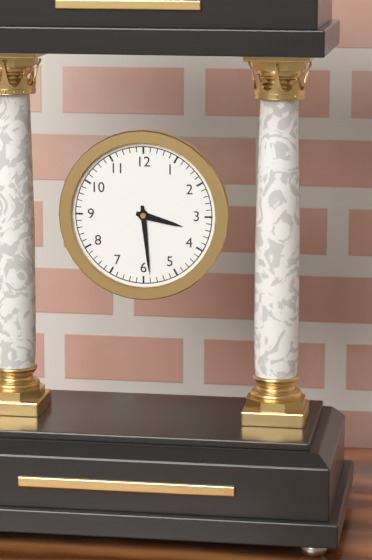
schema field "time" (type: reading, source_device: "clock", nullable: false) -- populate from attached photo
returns 3:29
